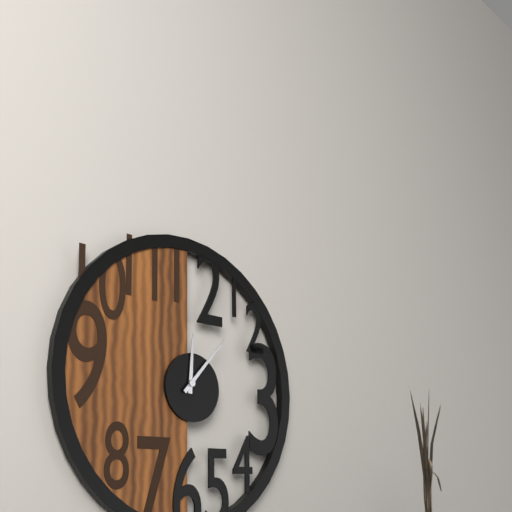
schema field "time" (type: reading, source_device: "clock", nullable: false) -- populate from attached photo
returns 12:07
